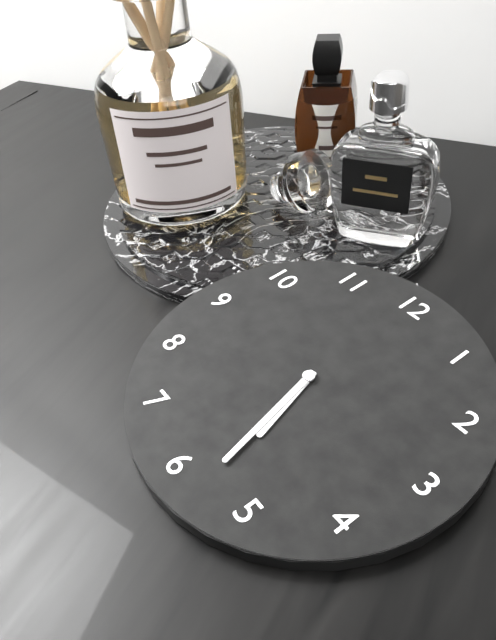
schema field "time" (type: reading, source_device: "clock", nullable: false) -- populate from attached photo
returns 5:28
